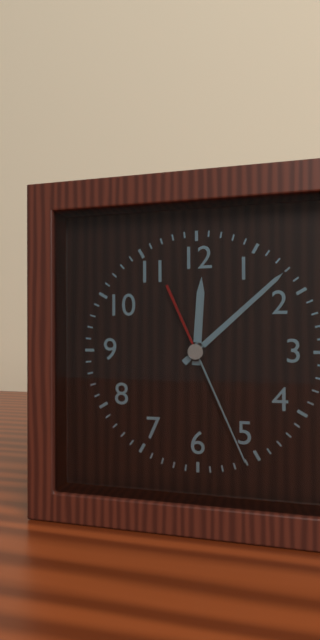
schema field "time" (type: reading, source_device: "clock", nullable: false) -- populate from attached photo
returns 12:08:26
